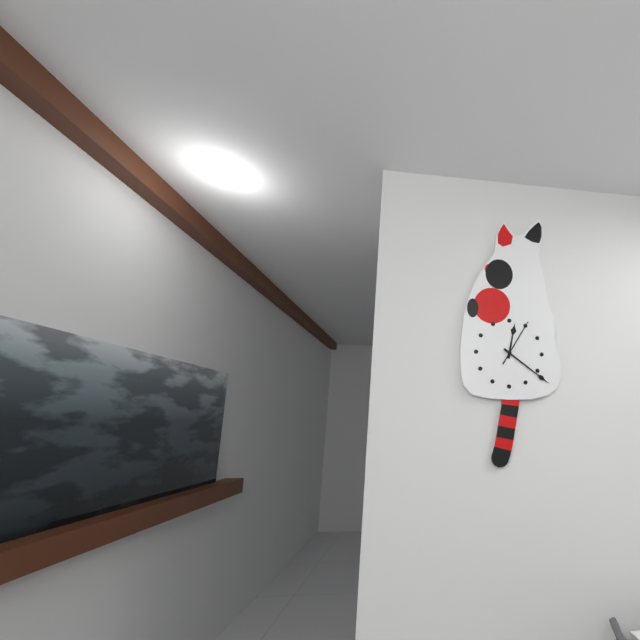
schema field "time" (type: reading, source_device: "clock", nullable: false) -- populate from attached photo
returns 12:21
